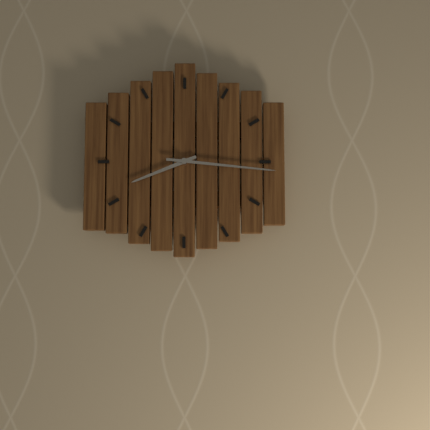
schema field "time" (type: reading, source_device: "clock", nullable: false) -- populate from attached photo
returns 8:16
